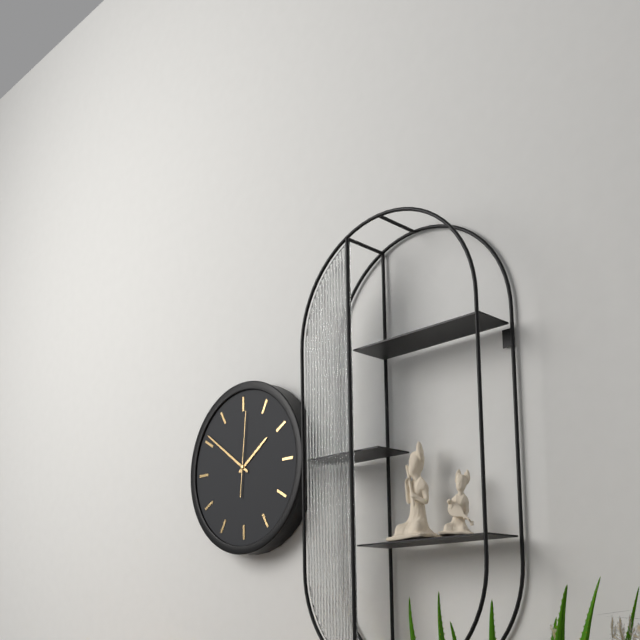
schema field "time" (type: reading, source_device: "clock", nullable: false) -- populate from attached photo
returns 1:51:01
